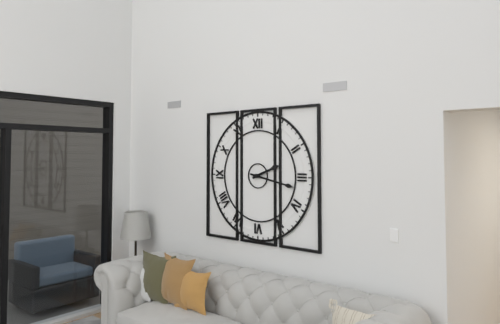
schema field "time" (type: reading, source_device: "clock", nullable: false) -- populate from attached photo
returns 2:17
